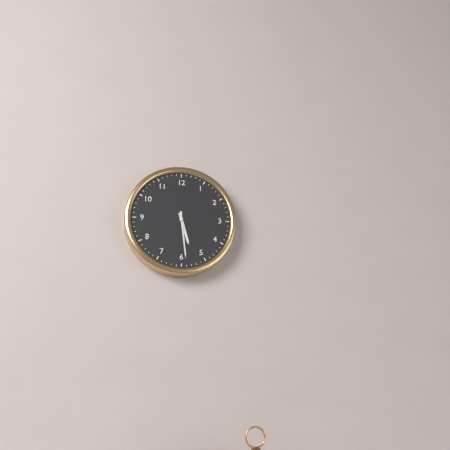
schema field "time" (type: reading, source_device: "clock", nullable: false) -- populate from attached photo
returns 5:29
